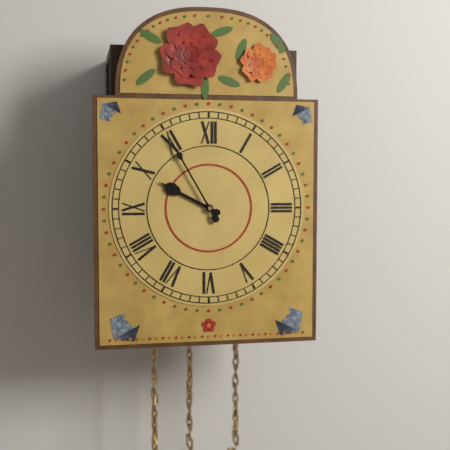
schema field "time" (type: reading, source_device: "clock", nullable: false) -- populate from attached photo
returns 9:55
